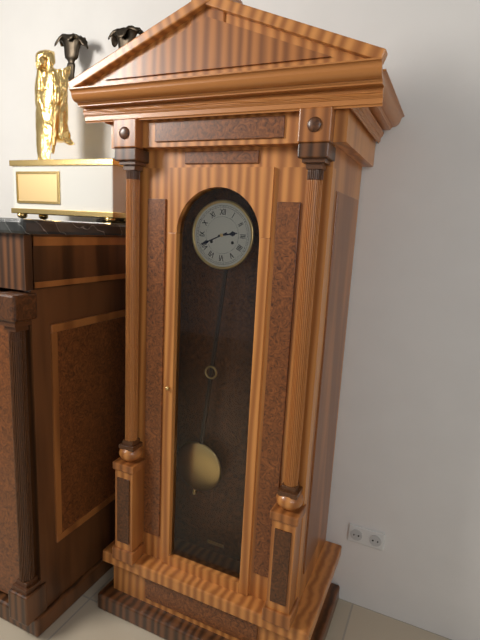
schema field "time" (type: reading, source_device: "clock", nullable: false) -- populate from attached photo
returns 2:41
